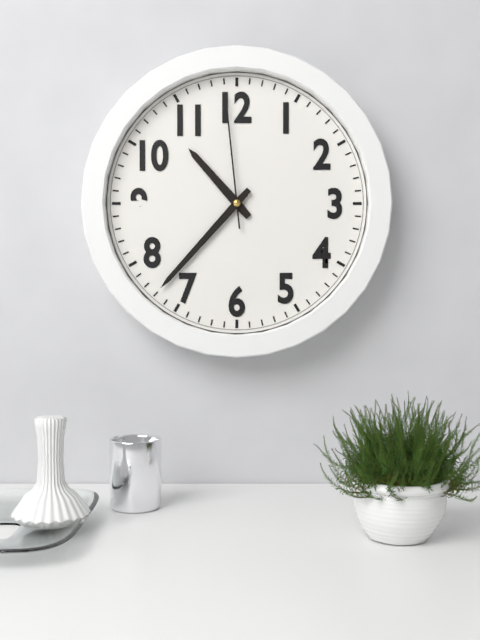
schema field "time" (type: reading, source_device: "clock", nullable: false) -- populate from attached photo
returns 10:37:59
